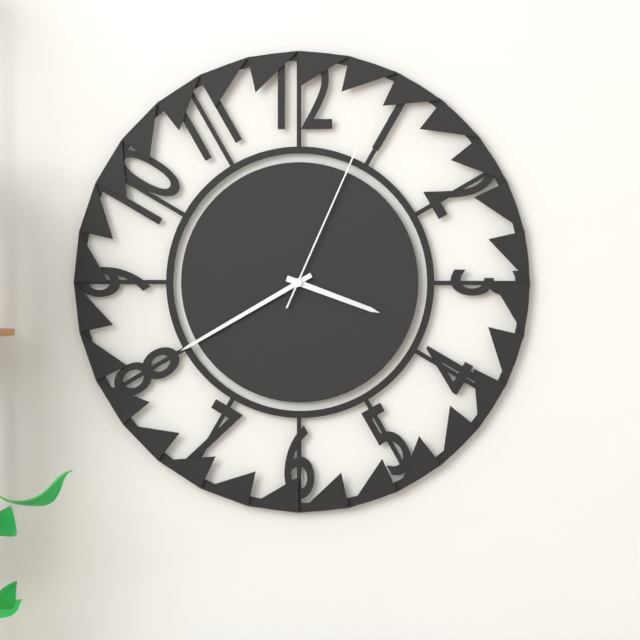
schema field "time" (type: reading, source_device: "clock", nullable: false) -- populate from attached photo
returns 3:40:04
